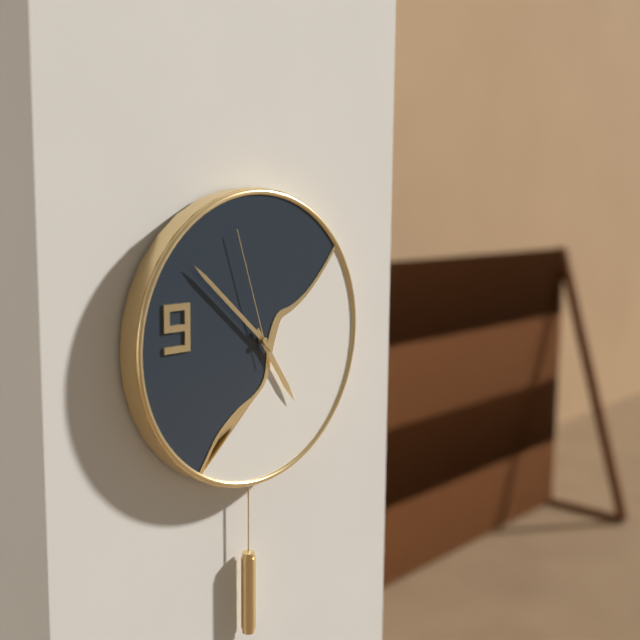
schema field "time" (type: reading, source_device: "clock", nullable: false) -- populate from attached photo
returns 4:52:57
